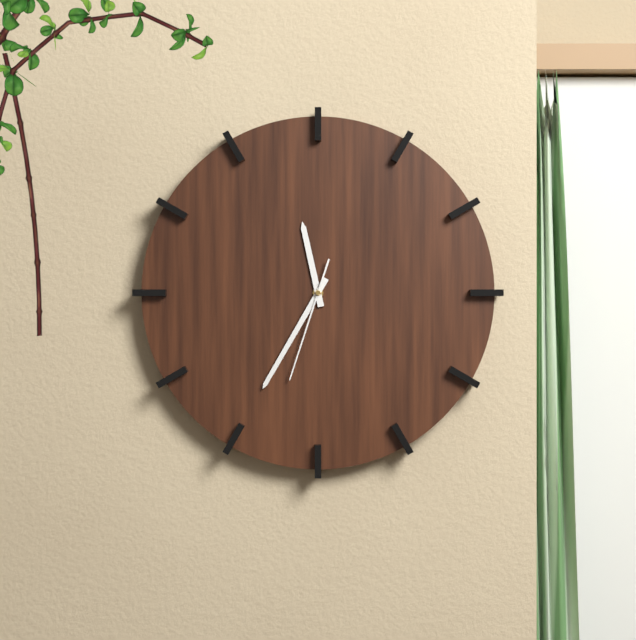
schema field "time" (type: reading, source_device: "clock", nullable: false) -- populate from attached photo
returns 11:35:33
